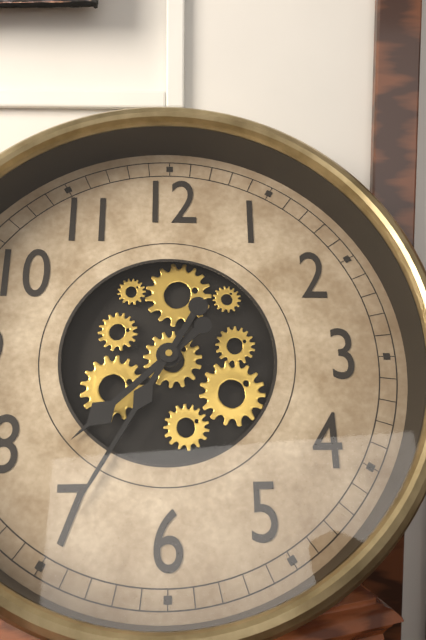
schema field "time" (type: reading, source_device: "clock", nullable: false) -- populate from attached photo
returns 7:35
